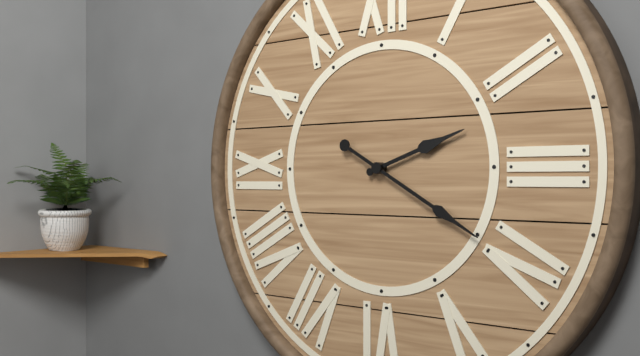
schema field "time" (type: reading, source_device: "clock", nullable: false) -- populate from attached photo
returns 2:20
